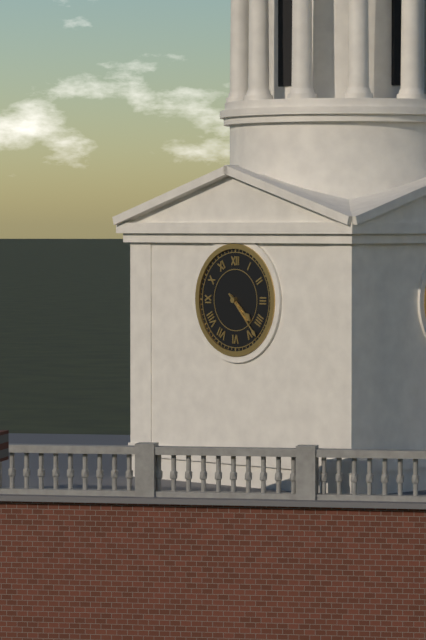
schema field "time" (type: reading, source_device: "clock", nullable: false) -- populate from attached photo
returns 4:23
